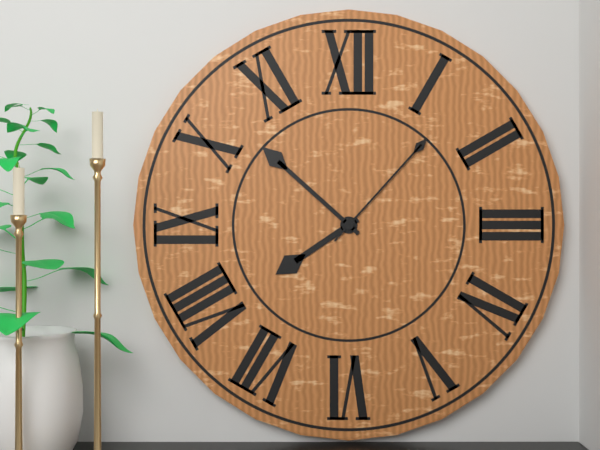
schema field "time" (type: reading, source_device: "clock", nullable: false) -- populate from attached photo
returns 7:52:07
